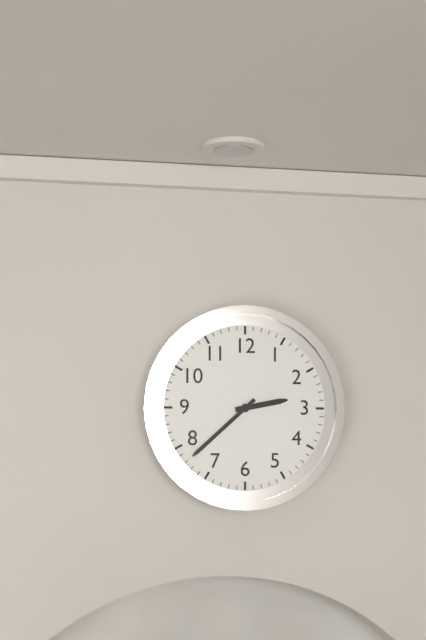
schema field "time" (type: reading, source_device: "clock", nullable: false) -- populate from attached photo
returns 2:38
